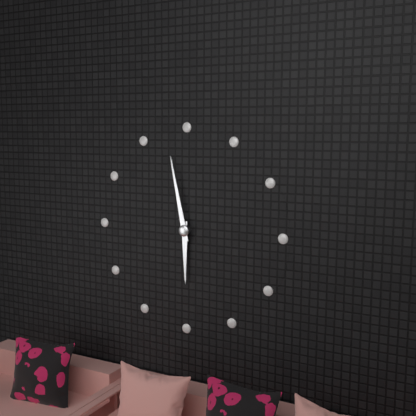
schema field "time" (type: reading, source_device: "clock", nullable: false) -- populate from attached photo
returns 5:58
